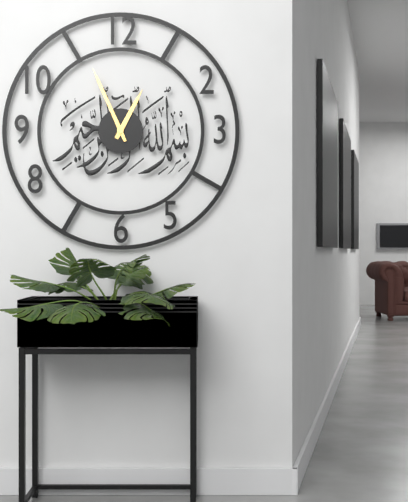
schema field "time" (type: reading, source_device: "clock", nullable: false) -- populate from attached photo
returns 12:56
